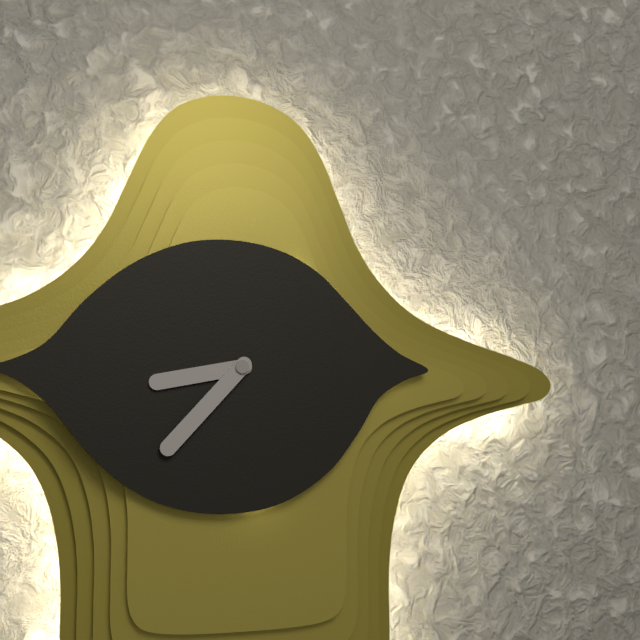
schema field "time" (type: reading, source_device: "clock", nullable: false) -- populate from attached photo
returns 8:37
